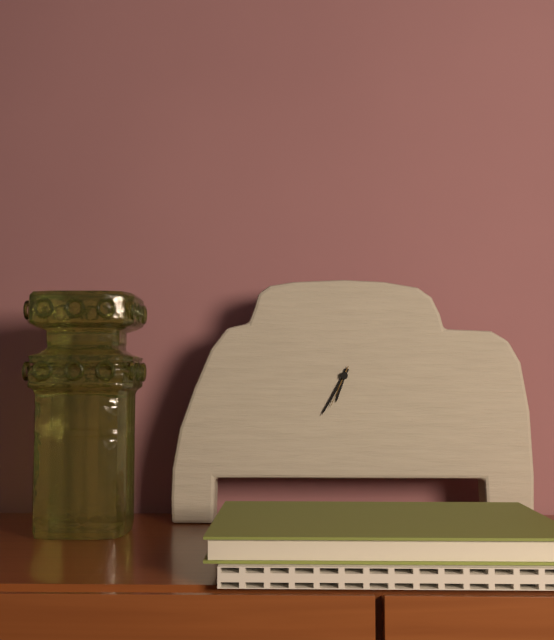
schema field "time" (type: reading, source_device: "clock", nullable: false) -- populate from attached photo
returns 6:35
